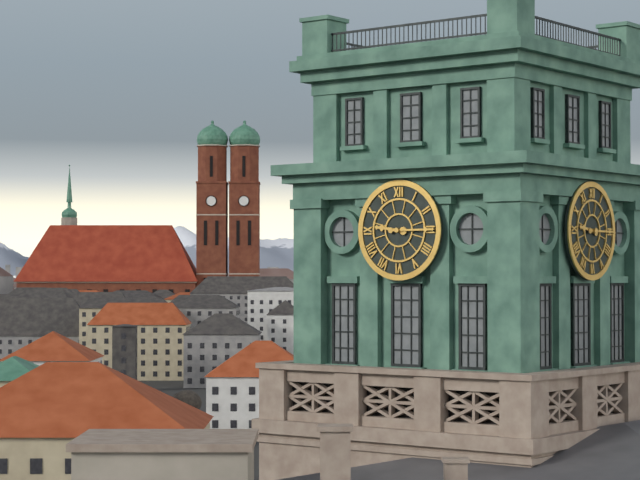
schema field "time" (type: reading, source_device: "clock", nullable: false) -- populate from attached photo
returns 9:15
